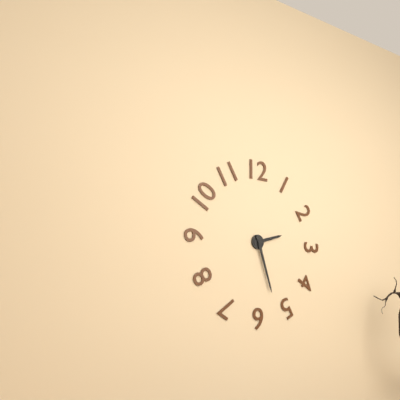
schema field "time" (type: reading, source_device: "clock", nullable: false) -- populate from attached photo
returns 2:27
